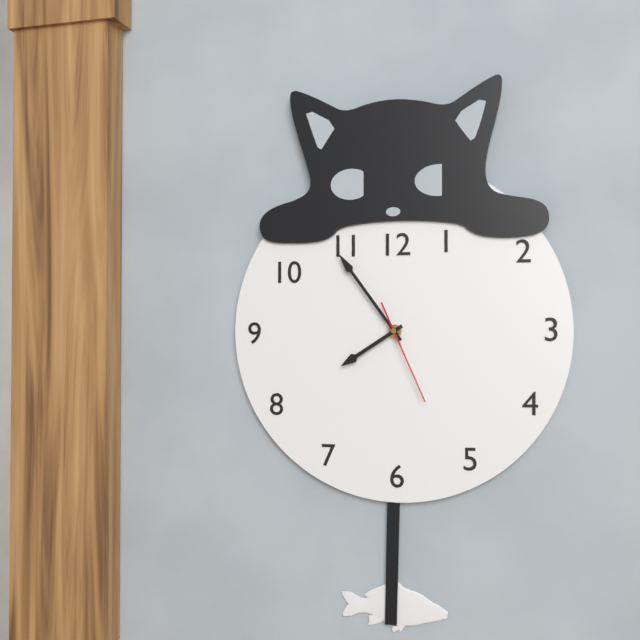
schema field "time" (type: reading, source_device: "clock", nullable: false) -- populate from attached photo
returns 7:54:26
